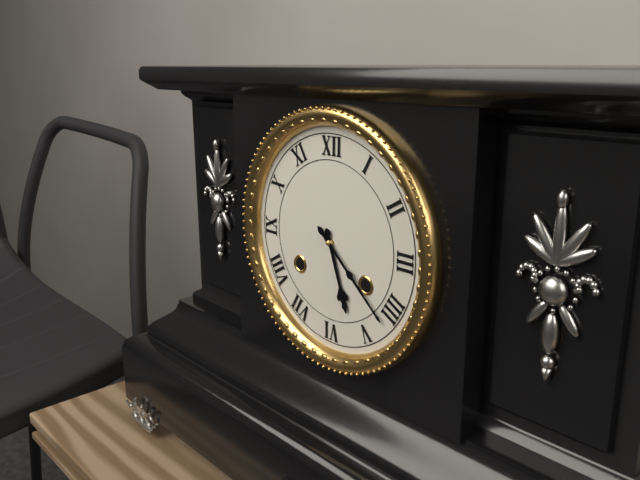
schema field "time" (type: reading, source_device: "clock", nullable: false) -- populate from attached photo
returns 5:22
